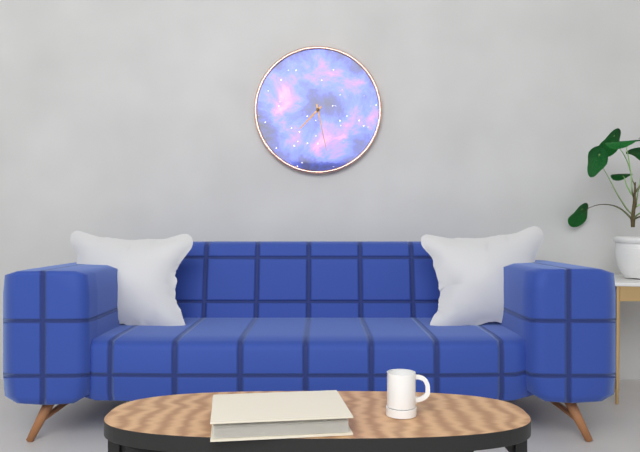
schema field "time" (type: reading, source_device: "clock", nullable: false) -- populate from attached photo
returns 7:28
